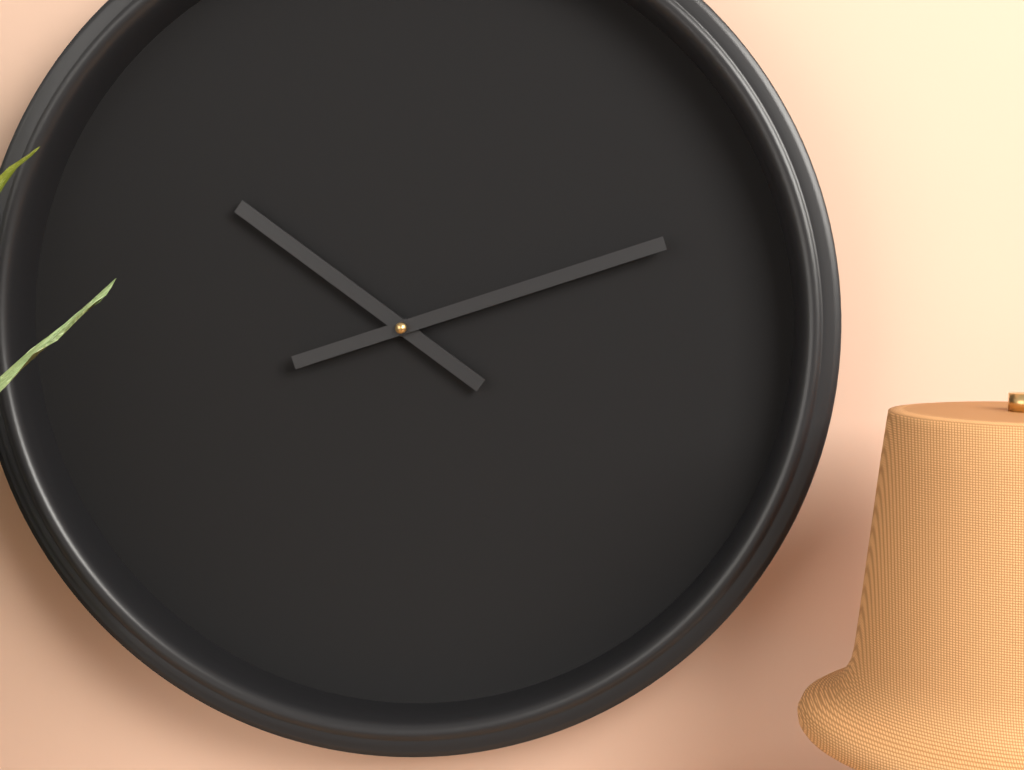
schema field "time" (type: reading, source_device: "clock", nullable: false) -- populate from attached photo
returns 10:12
